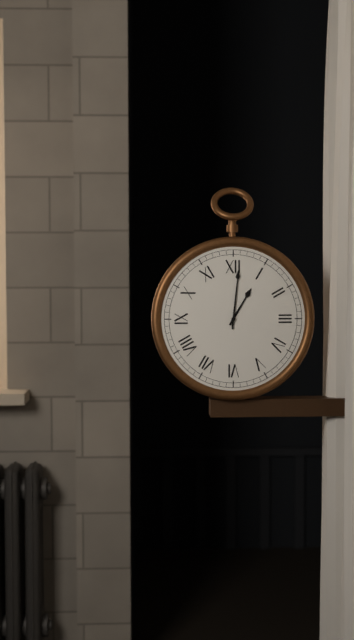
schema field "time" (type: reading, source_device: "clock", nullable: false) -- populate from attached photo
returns 1:01
